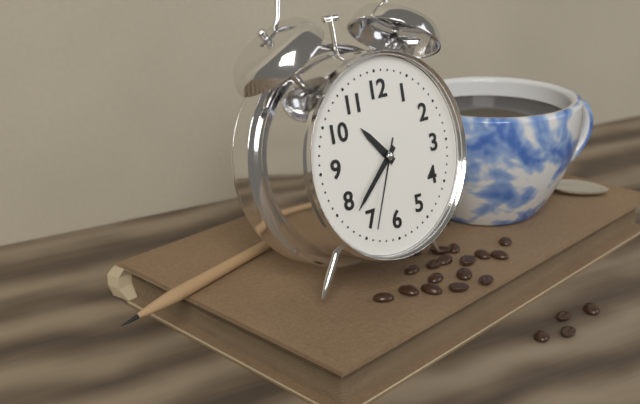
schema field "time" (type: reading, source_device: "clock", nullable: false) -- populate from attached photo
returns 10:38:34
